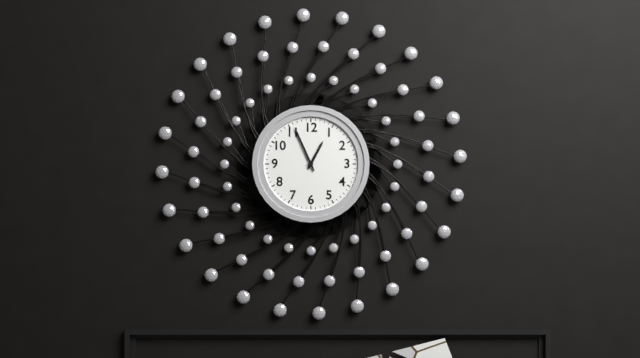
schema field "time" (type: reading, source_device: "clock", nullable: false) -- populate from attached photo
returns 12:56
